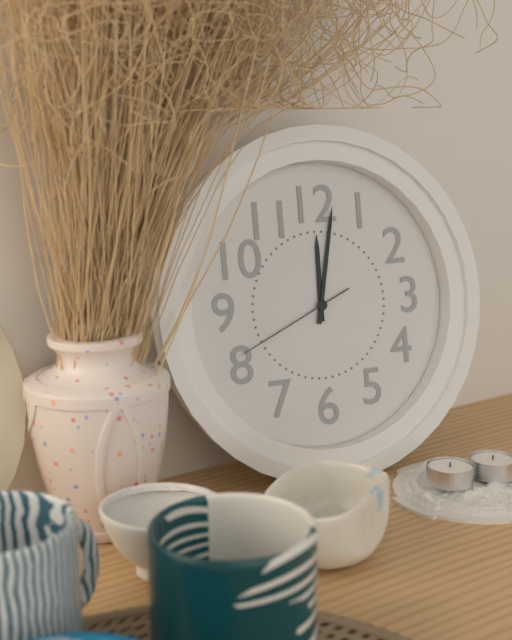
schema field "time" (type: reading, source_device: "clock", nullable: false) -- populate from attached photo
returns 12:02:41
